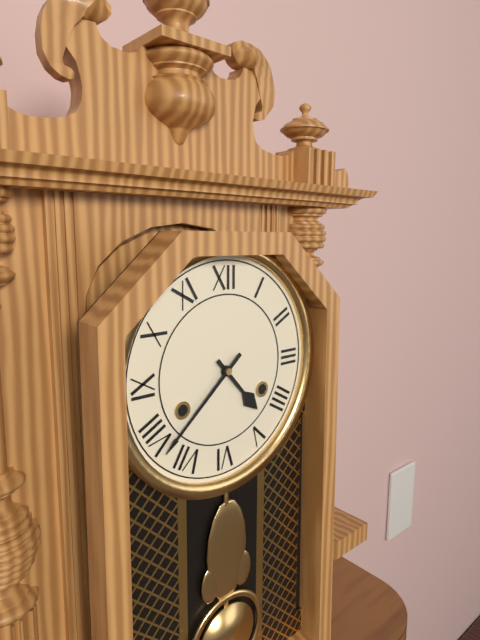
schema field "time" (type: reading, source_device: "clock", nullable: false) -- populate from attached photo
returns 4:38
